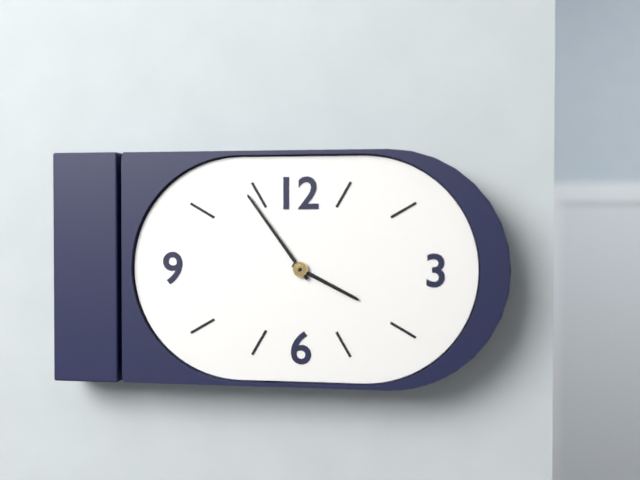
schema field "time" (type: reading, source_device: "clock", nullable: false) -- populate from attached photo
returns 3:54
